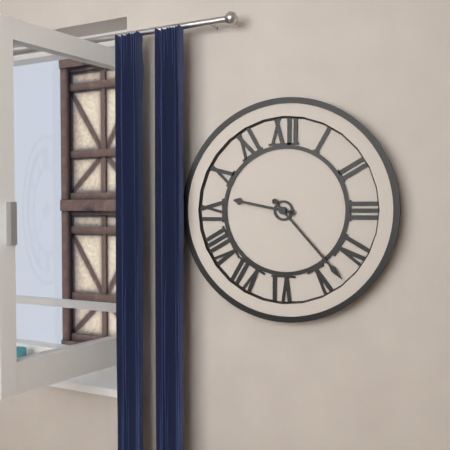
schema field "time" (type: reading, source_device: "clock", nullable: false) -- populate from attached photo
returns 9:23
